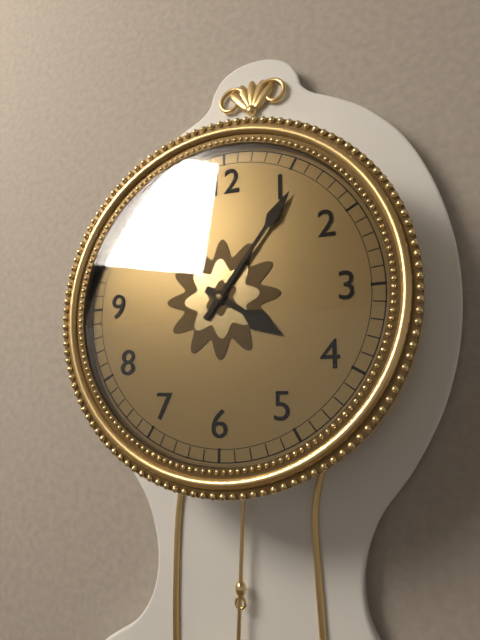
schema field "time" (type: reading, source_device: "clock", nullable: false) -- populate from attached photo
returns 4:06
